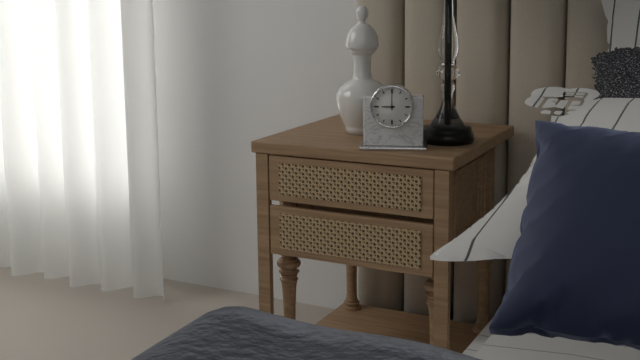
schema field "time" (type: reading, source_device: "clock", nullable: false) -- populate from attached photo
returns 9:00
